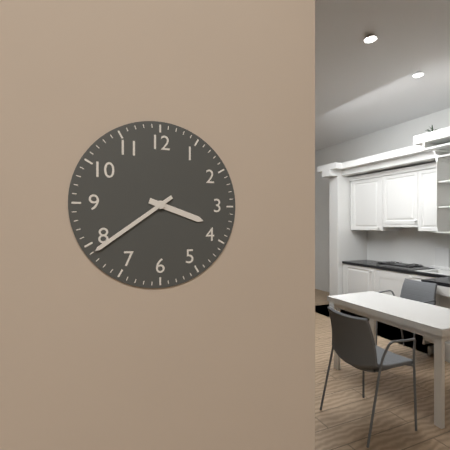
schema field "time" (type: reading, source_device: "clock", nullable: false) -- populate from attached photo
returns 3:39
